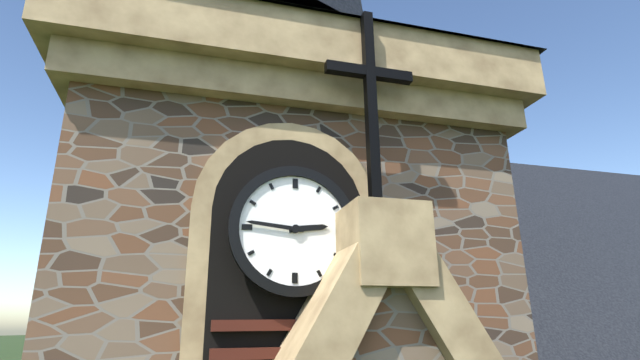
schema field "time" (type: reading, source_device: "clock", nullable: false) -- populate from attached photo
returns 2:46
